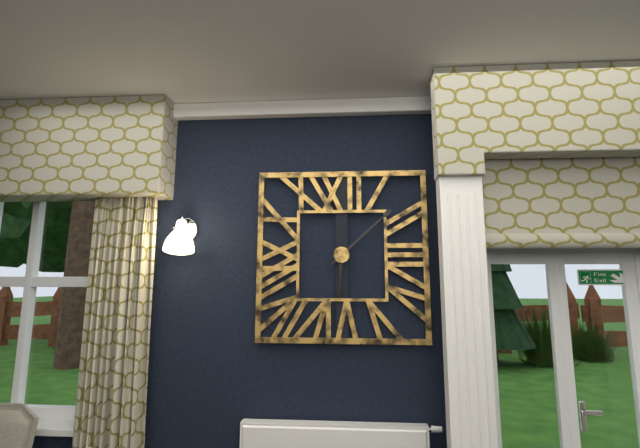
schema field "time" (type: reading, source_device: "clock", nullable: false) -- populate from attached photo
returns 6:08
